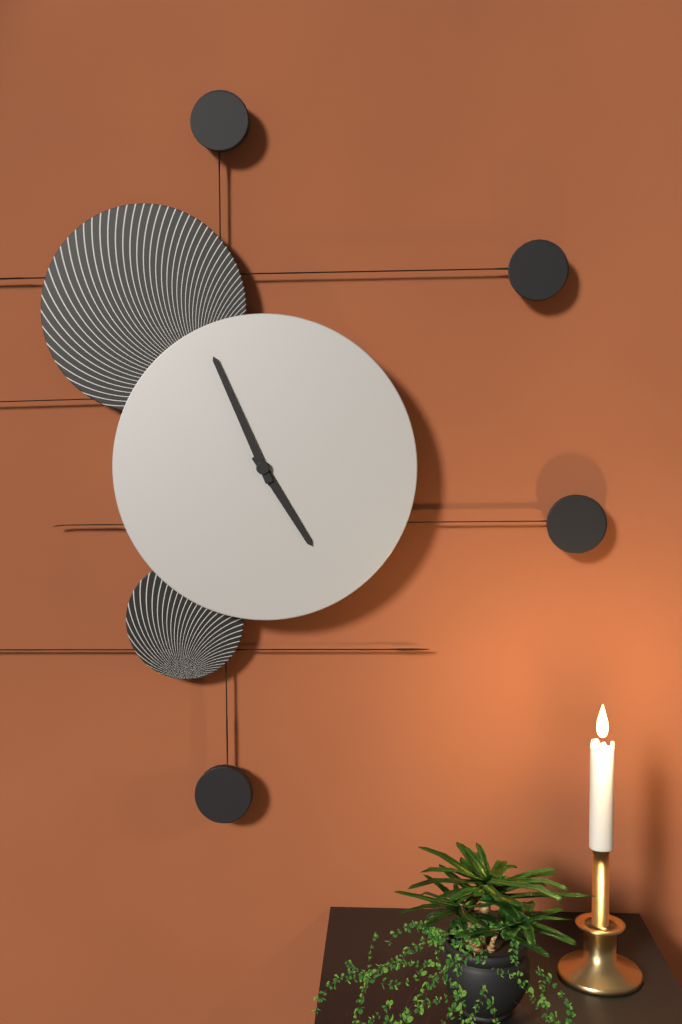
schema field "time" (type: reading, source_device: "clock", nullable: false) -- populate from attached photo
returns 4:56
